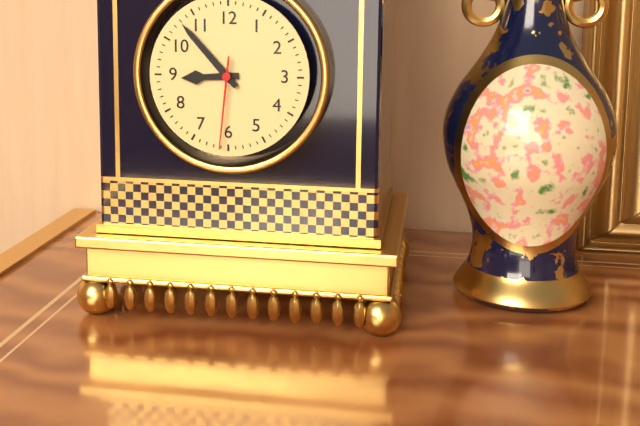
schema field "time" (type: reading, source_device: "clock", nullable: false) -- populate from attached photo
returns 8:53:31
